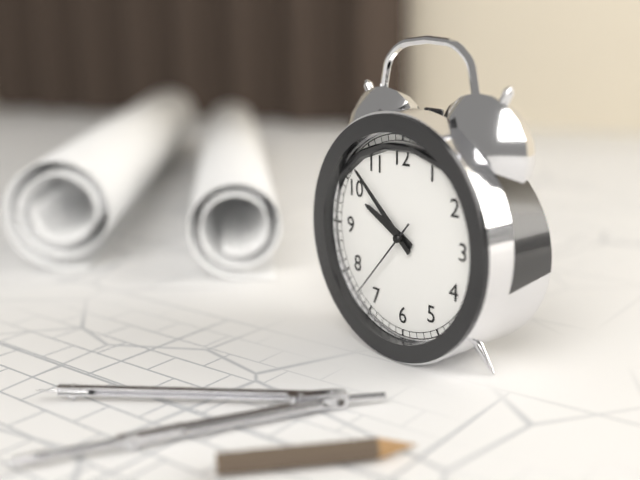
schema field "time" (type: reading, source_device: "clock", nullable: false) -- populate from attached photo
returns 9:52:37
